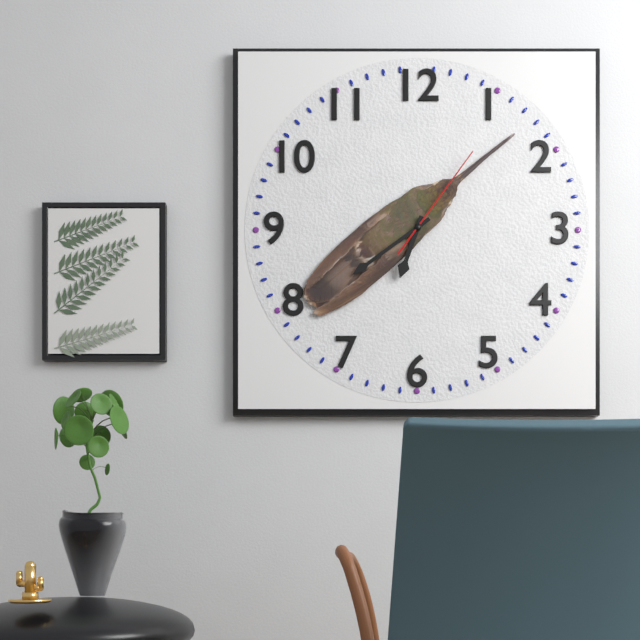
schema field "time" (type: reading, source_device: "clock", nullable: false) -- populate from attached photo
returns 6:39:06
